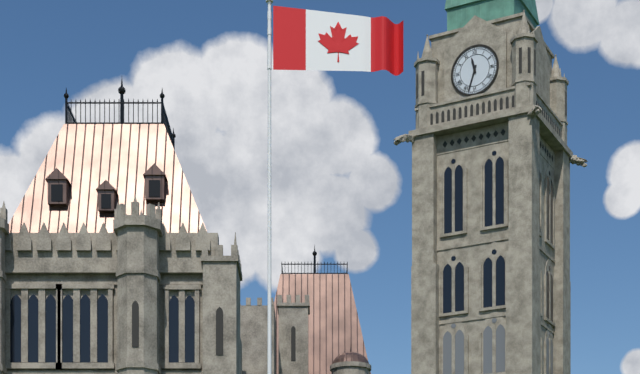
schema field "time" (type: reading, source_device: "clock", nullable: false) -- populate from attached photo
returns 11:33
